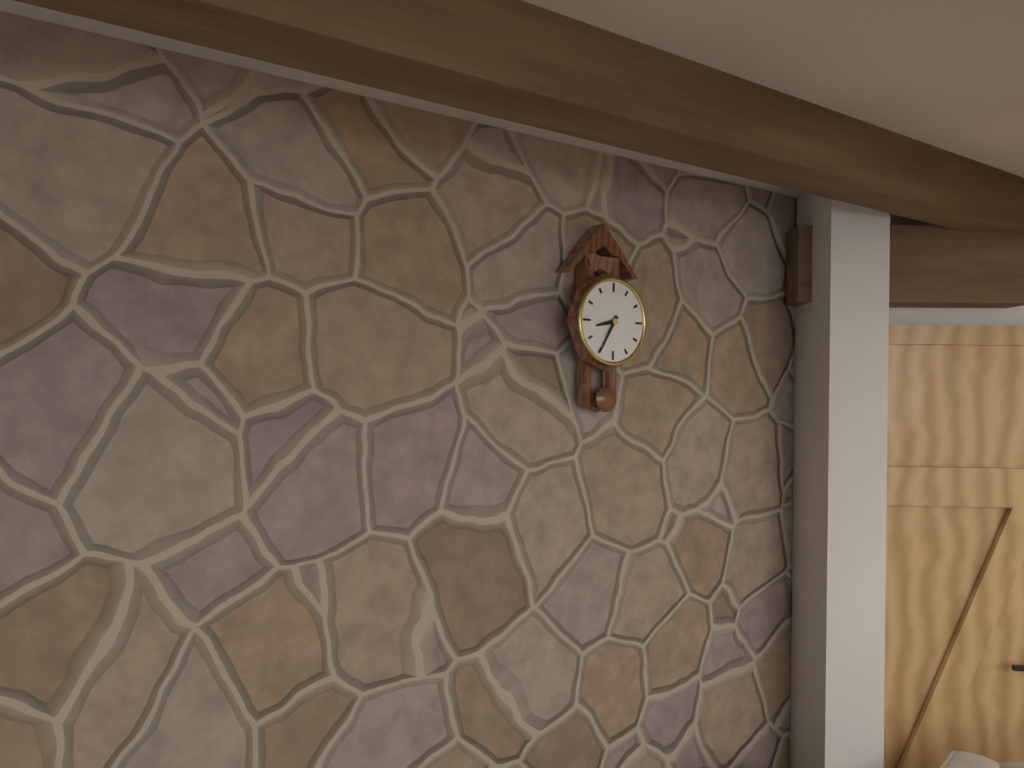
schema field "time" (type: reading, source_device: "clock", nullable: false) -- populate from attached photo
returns 8:35
